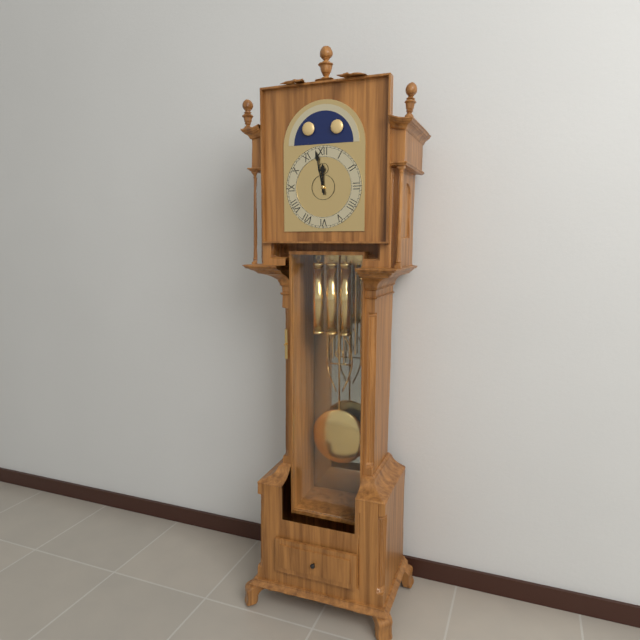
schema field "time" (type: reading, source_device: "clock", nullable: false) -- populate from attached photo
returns 11:58
